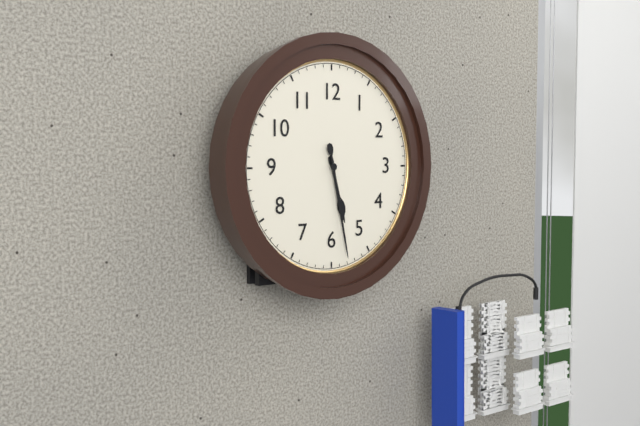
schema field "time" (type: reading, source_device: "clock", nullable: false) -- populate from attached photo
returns 5:28
